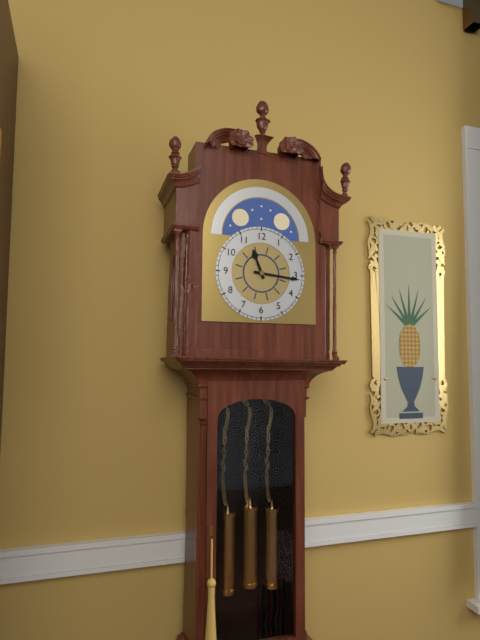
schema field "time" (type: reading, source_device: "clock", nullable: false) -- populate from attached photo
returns 11:16
